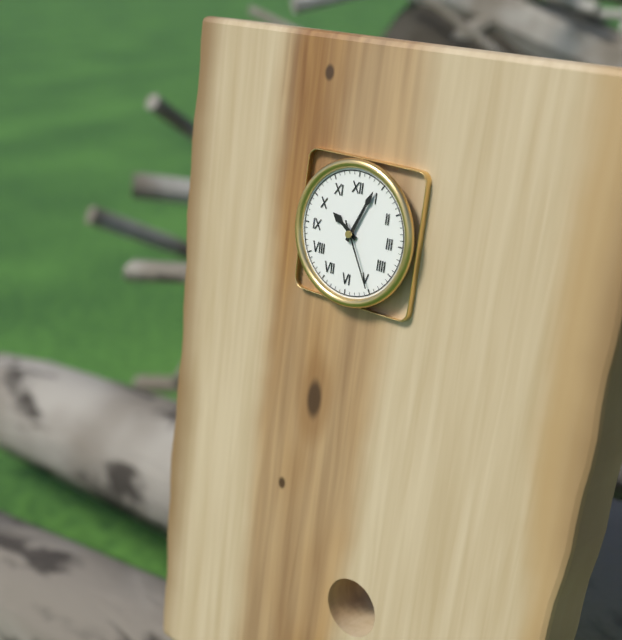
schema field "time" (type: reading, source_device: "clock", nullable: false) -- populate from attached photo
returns 10:04:25
